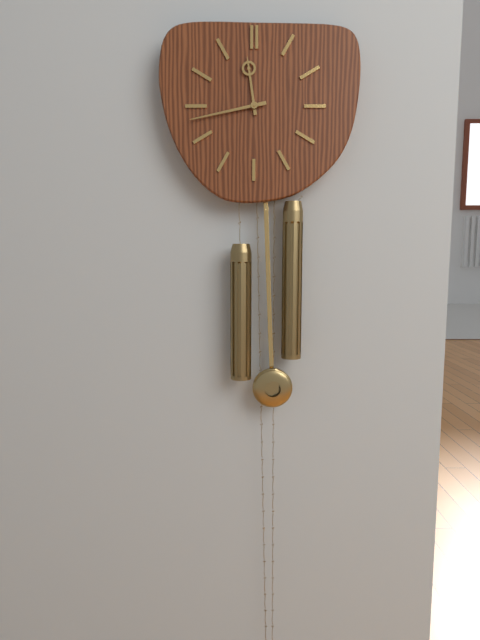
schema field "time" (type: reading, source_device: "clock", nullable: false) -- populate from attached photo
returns 11:43
